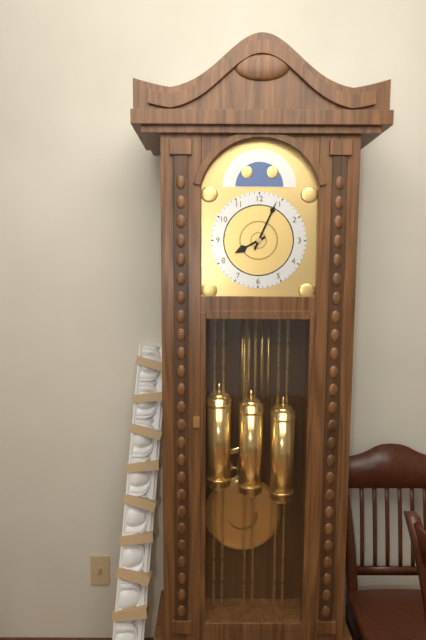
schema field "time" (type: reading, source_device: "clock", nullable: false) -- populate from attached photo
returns 8:04
